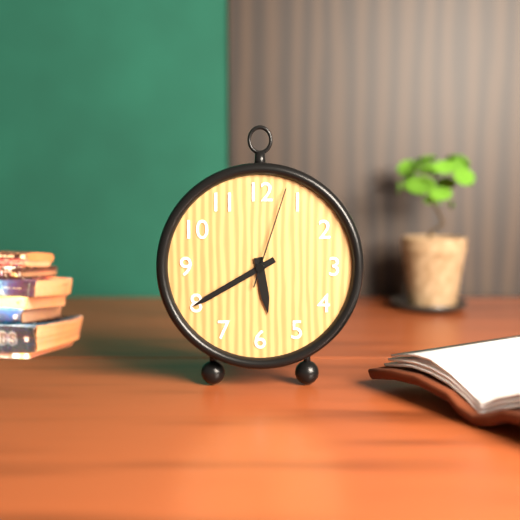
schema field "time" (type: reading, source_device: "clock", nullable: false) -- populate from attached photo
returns 5:40:03
